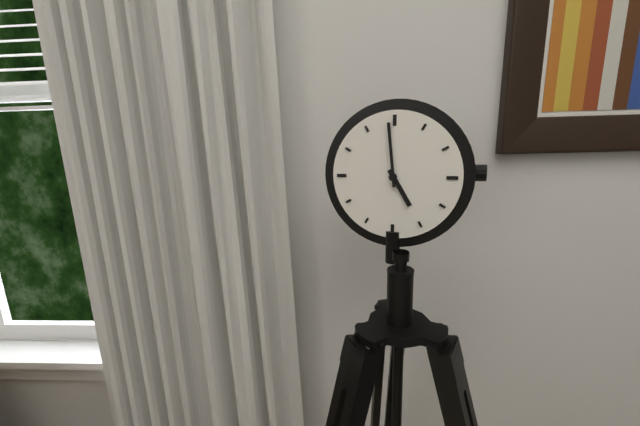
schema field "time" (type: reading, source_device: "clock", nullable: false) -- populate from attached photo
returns 4:59
